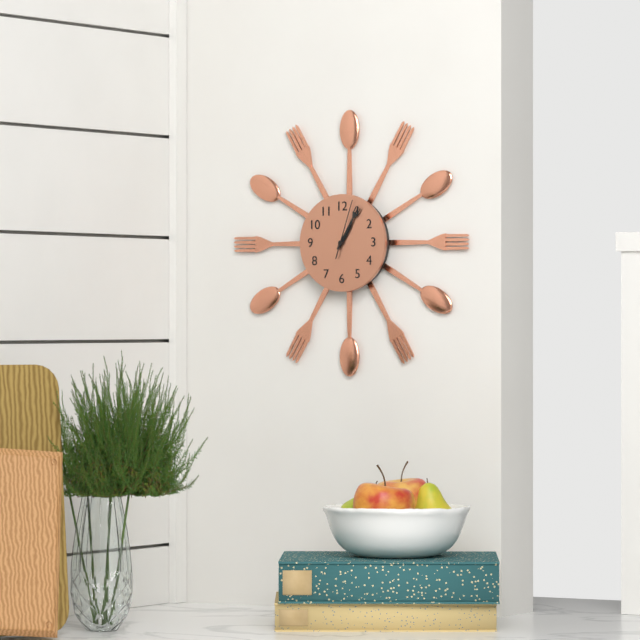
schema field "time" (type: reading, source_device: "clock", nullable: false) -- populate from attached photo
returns 1:05:03
